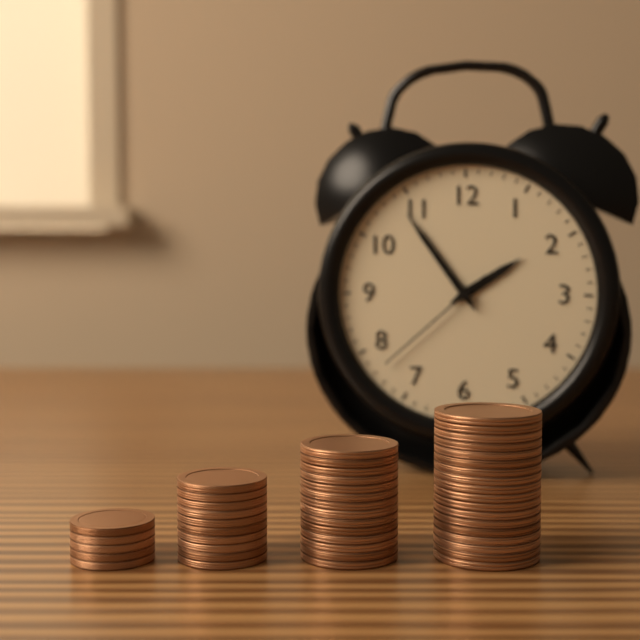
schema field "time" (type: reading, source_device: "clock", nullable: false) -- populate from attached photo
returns 1:54:38
